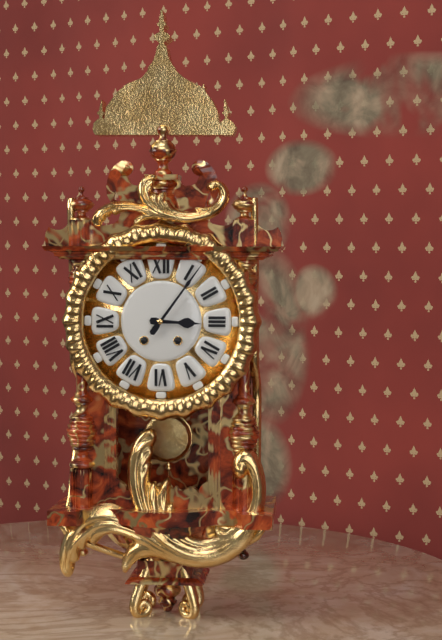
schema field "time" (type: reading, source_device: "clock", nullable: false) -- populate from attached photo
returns 3:06
